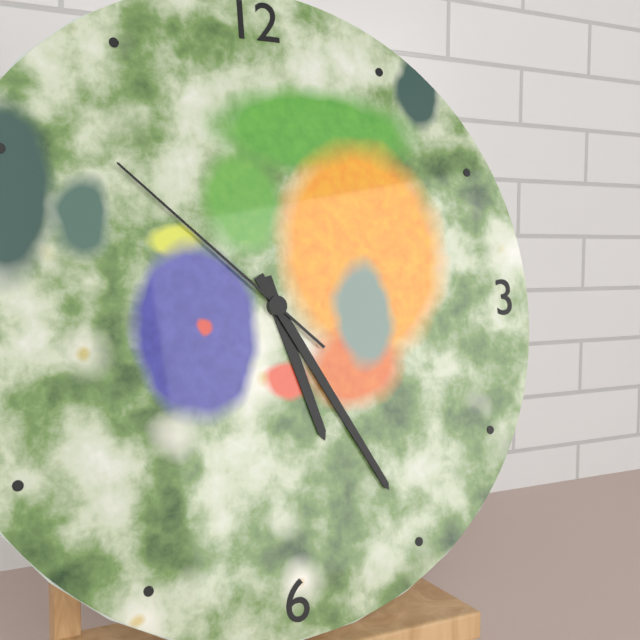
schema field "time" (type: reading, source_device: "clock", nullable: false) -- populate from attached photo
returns 5:25:52
